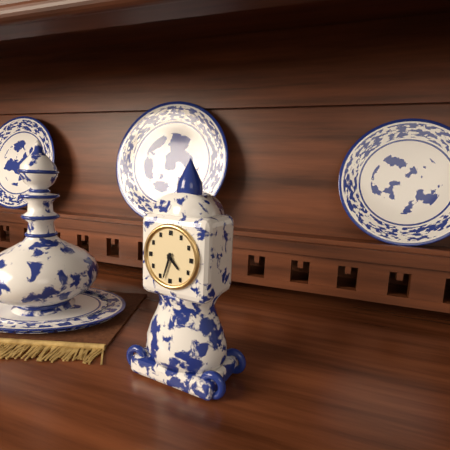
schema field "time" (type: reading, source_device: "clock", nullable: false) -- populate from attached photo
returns 4:33
